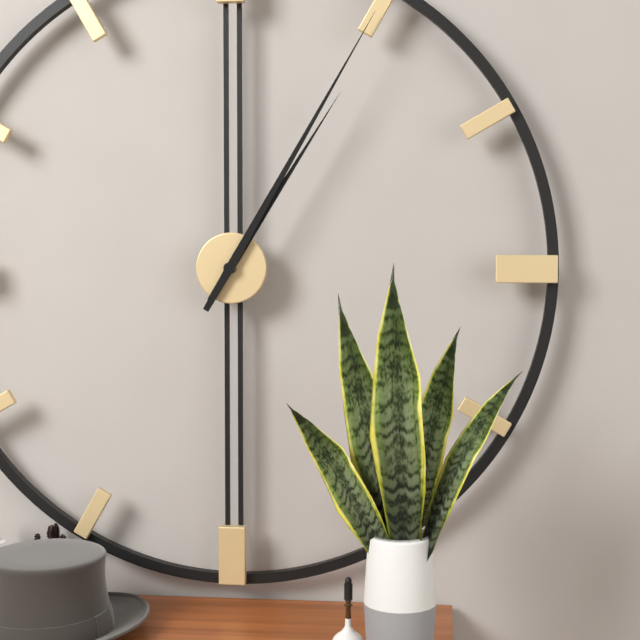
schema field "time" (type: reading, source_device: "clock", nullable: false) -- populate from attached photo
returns 1:05
